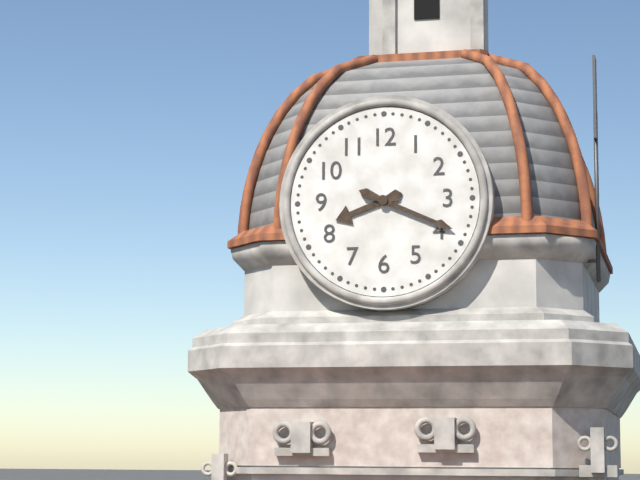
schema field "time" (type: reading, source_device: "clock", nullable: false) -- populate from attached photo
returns 8:19
